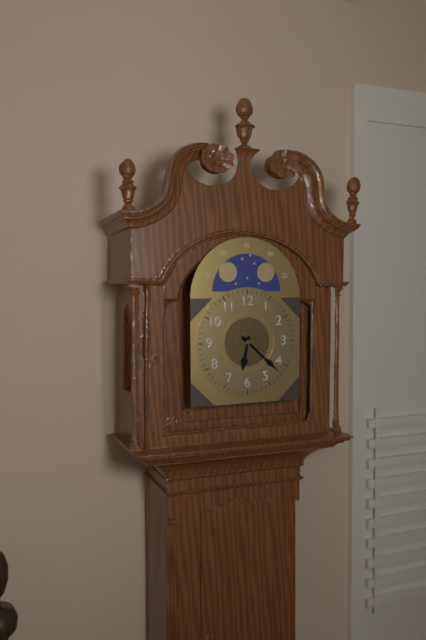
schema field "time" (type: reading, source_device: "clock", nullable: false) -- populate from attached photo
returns 6:22
